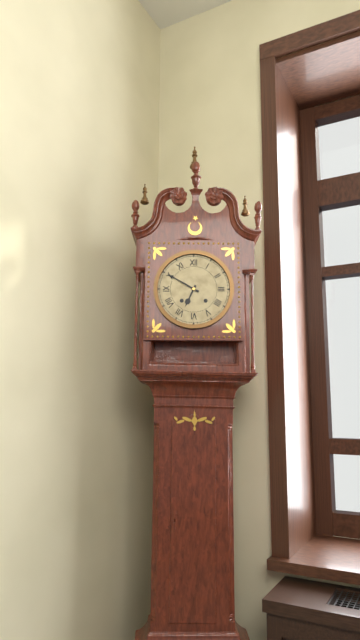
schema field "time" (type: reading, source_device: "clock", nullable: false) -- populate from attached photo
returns 6:50
